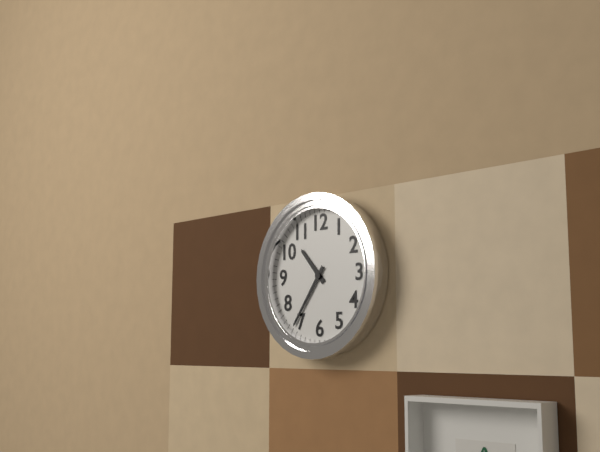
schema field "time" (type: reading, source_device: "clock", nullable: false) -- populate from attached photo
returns 10:36
